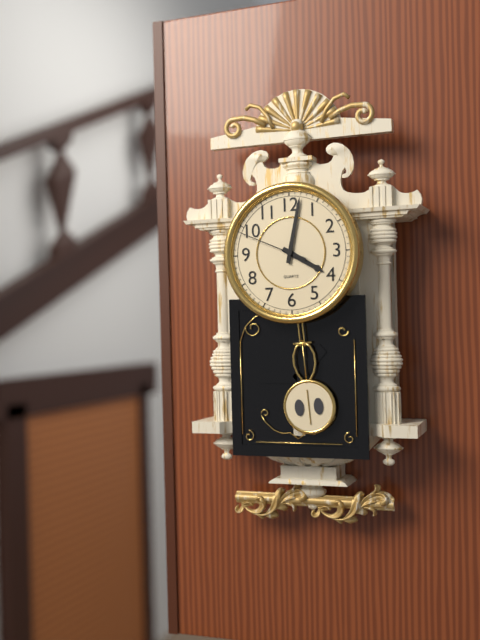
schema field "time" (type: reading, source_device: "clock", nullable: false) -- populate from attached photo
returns 4:02:49
